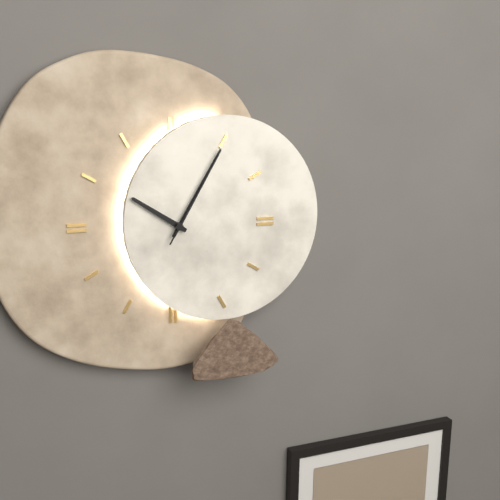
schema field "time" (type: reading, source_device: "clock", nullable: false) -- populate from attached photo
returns 10:05:05
